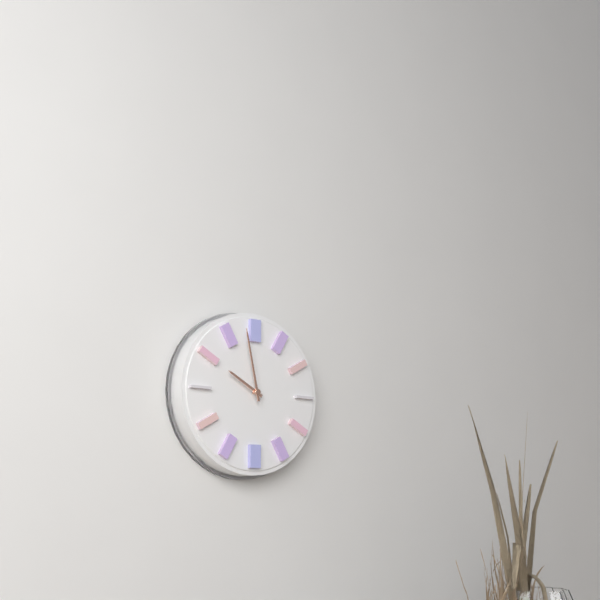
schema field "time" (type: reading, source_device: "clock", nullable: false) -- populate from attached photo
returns 9:58
